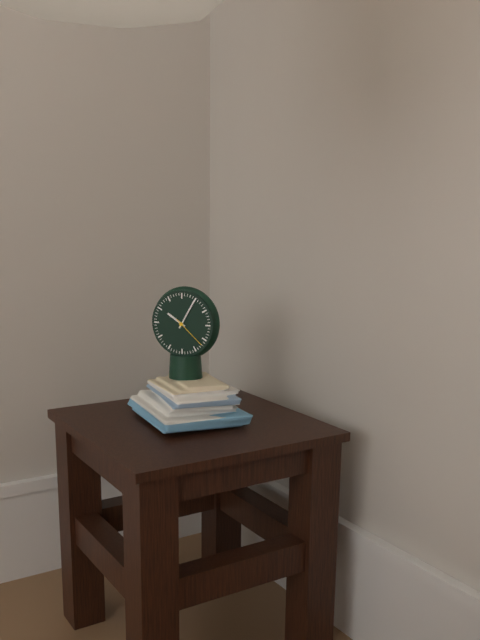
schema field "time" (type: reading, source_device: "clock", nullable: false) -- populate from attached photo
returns 10:05
